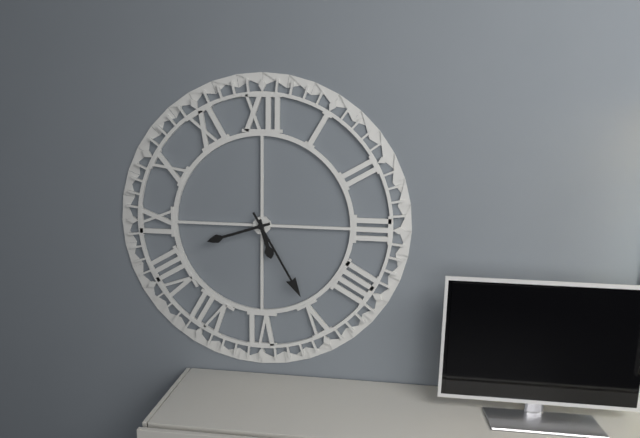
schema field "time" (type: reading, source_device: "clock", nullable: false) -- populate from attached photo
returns 5:25:42
